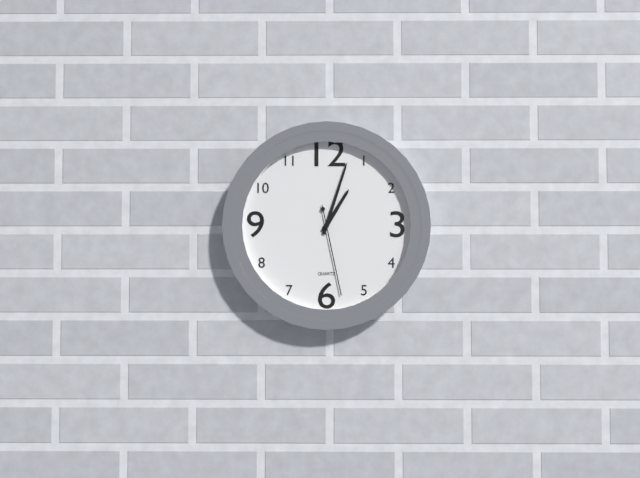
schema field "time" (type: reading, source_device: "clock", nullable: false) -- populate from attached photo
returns 1:03:28
